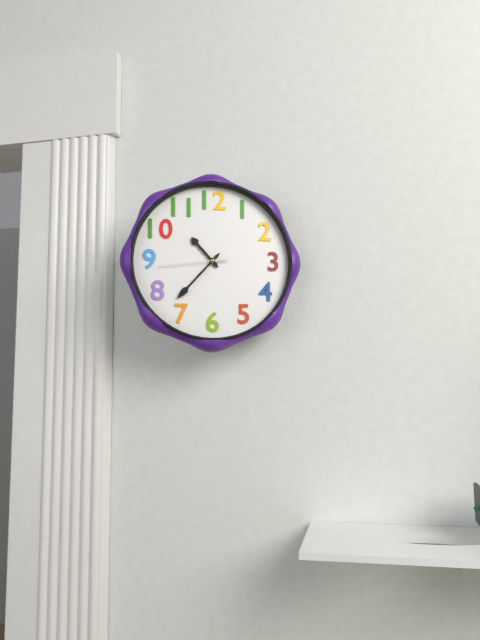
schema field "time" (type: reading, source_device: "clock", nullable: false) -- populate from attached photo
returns 10:37:44
